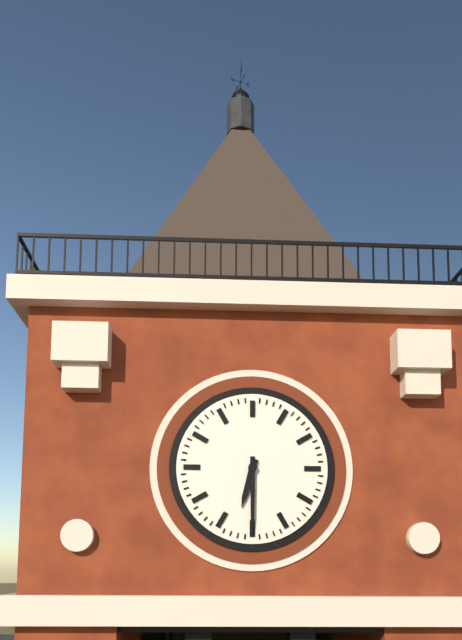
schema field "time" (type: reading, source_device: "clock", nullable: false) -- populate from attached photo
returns 6:30
